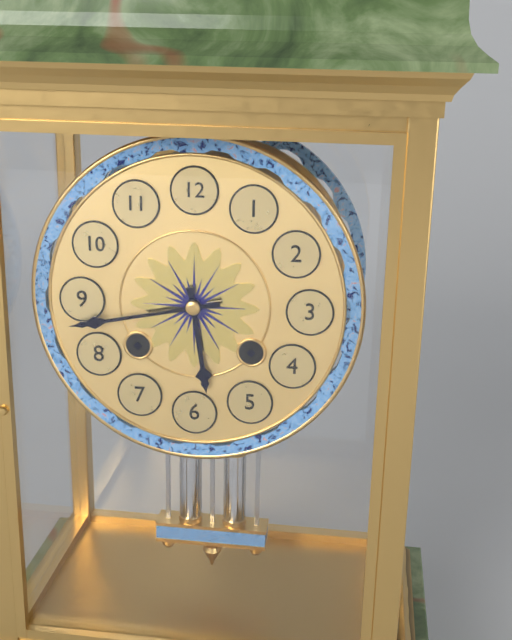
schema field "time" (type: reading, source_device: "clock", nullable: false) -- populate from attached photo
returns 5:43
